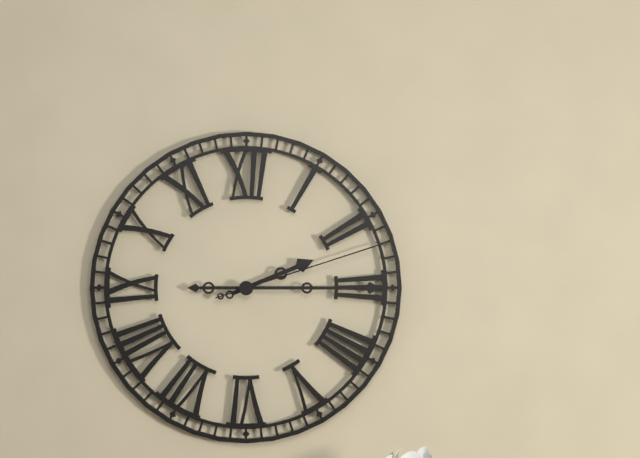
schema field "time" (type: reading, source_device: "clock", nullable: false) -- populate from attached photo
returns 2:15:12
